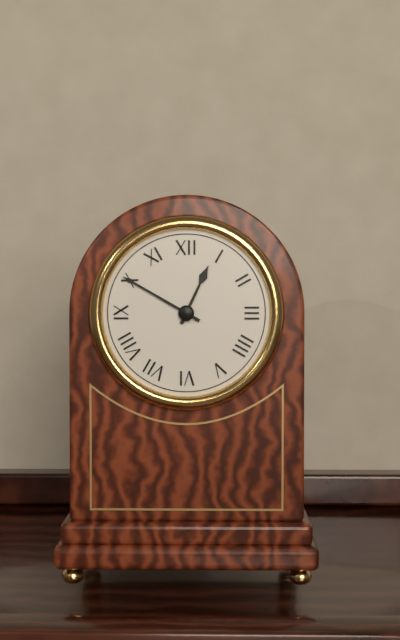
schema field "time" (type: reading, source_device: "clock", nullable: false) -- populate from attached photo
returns 12:50
